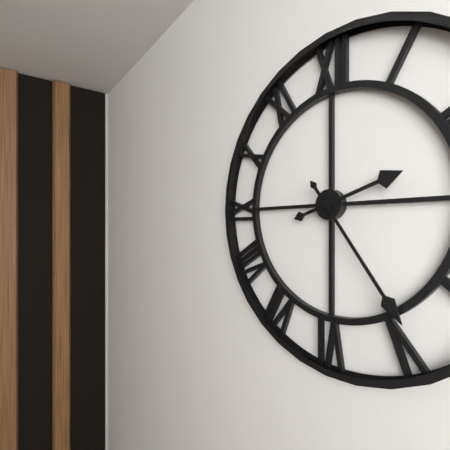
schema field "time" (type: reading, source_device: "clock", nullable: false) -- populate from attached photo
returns 2:24
